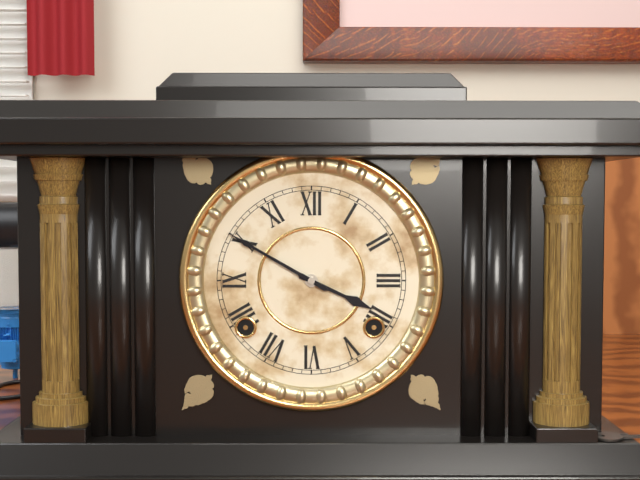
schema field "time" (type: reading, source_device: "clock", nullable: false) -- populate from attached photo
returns 3:50
